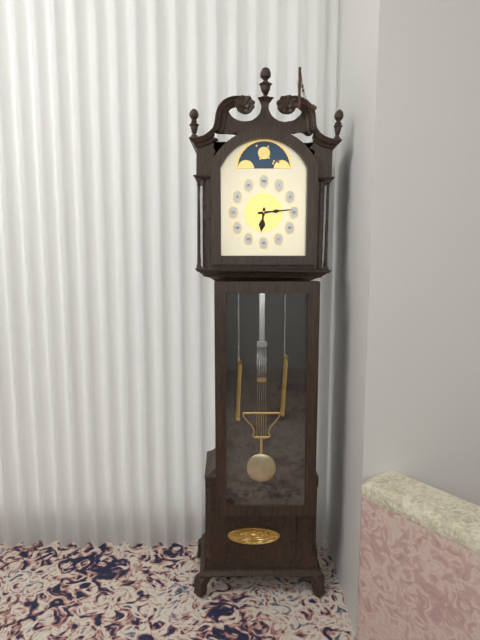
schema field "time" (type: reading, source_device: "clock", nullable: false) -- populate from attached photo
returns 6:14
